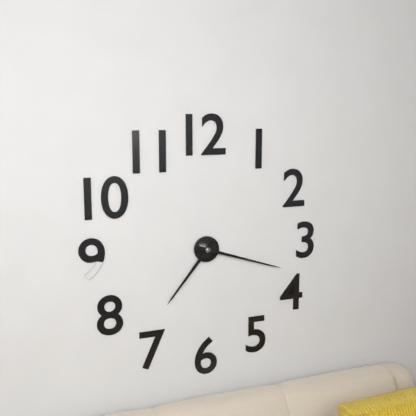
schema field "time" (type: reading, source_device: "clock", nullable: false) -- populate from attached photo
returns 7:18
